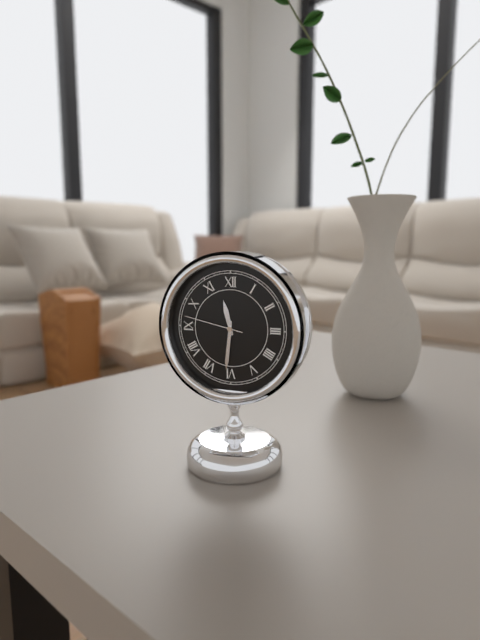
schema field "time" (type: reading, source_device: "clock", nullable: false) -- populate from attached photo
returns 11:31:47
